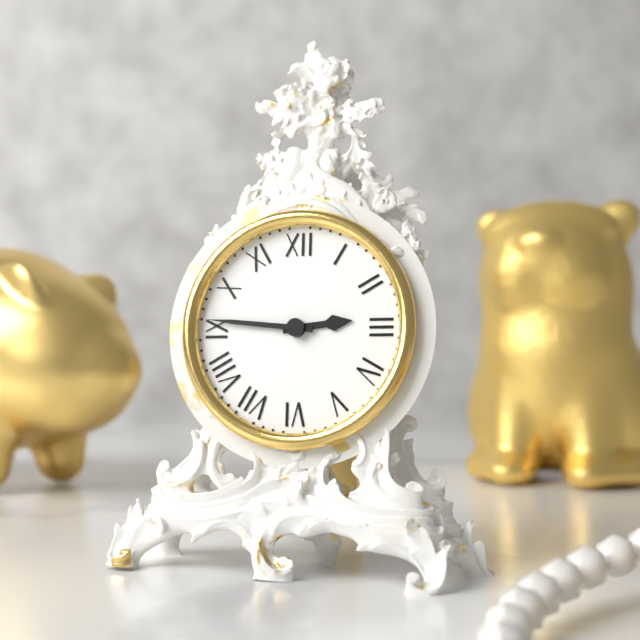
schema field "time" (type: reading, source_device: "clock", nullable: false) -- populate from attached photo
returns 2:46
